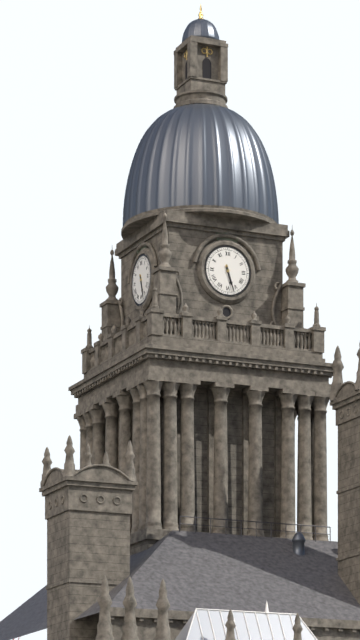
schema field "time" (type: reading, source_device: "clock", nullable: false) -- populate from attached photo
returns 5:27
